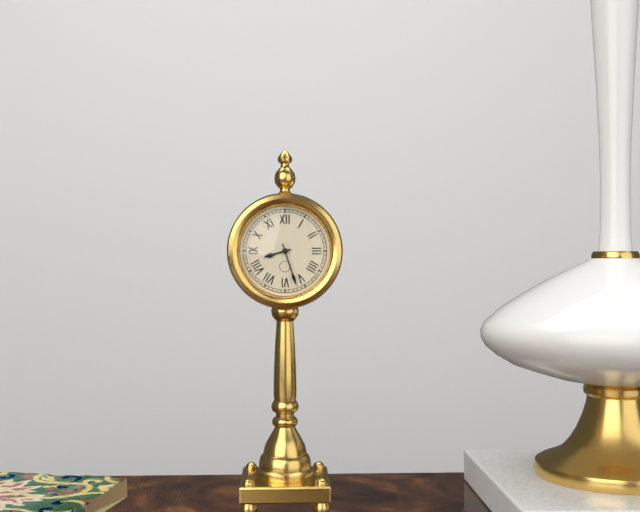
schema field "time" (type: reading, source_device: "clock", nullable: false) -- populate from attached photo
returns 8:27
